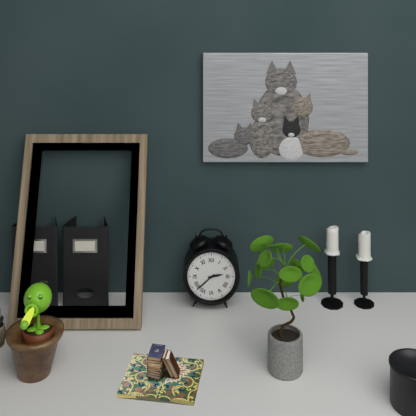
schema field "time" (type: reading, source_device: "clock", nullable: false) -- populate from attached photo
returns 2:38
